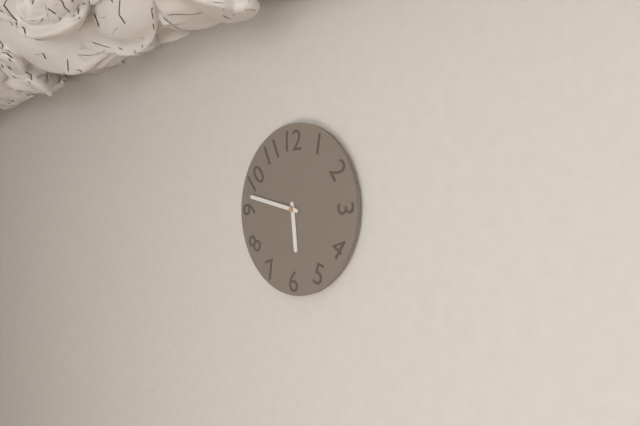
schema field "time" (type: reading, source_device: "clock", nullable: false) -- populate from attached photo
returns 5:47
